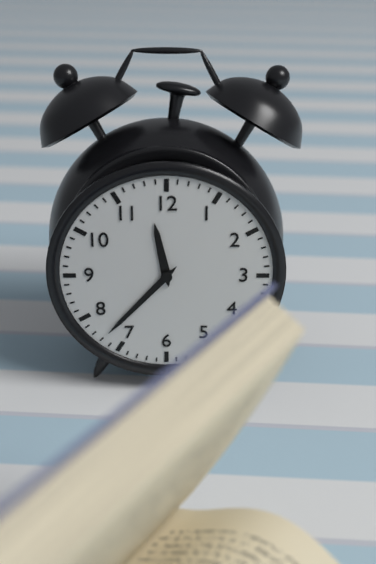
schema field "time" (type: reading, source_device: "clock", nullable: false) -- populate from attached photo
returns 11:37
